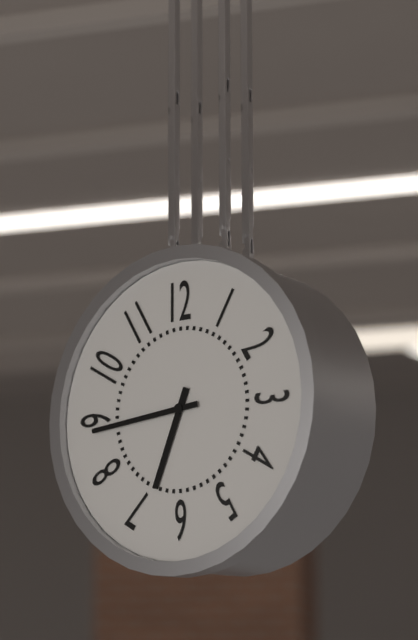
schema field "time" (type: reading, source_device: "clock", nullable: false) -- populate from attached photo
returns 6:44
